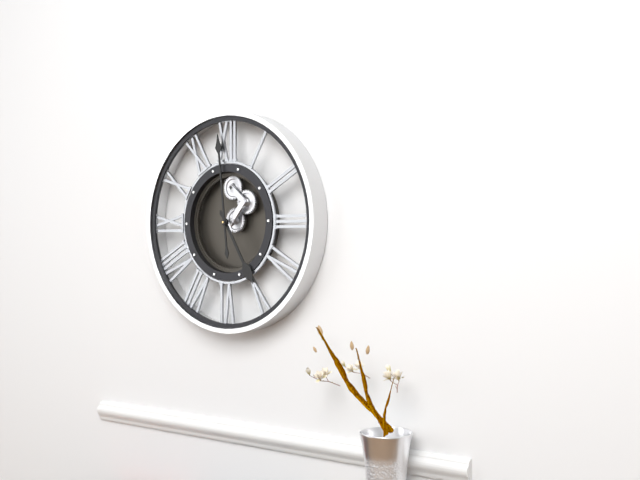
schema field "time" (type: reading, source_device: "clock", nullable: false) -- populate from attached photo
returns 4:59
